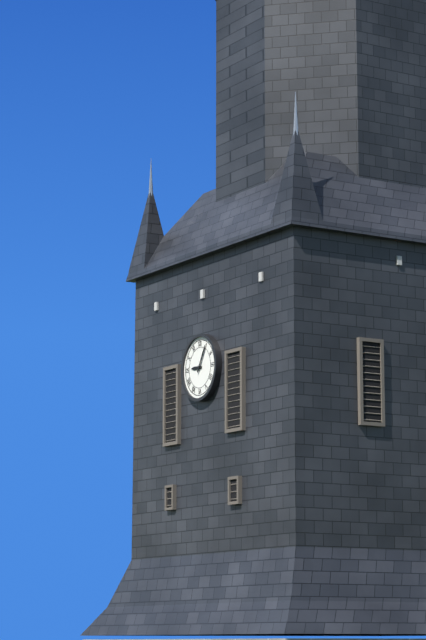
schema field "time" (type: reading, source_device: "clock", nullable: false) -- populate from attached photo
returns 9:05
